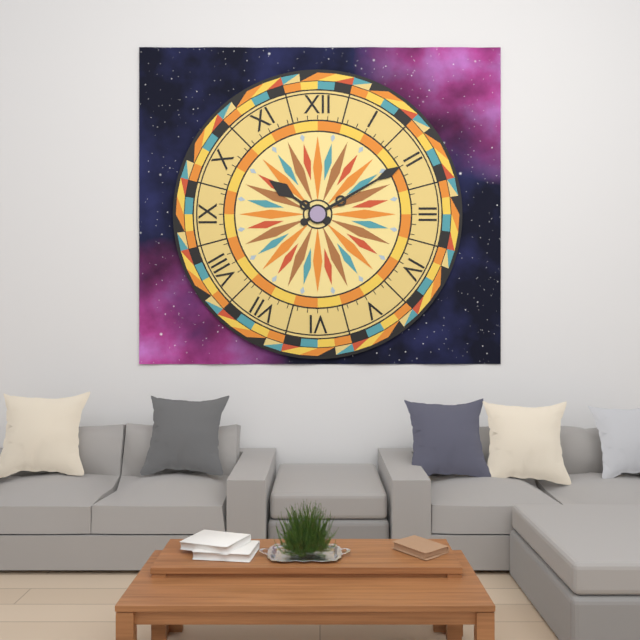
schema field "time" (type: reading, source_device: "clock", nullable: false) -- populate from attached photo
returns 10:10
